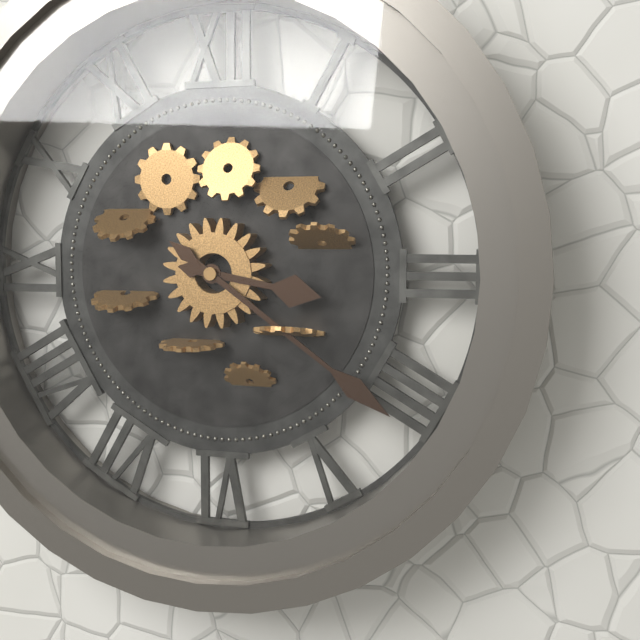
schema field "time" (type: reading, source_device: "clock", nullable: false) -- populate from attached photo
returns 3:21
